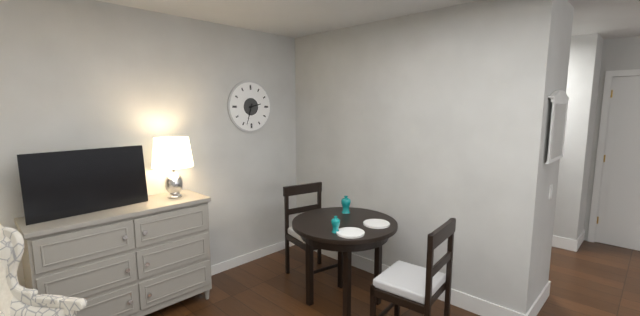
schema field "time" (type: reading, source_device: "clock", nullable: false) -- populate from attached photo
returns 2:33
